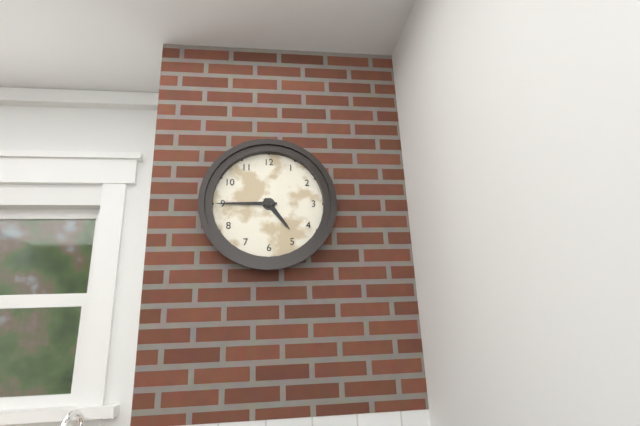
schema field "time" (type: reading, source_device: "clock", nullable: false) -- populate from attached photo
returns 4:45
